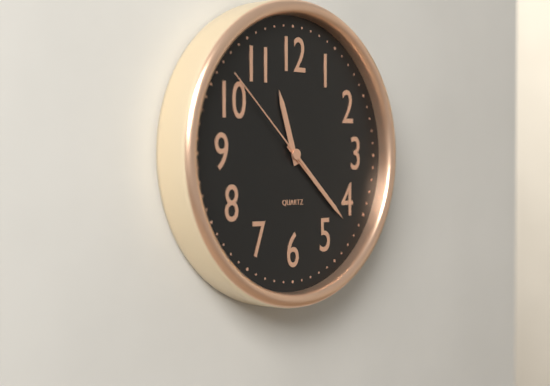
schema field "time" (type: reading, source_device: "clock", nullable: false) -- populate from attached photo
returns 11:22:52
